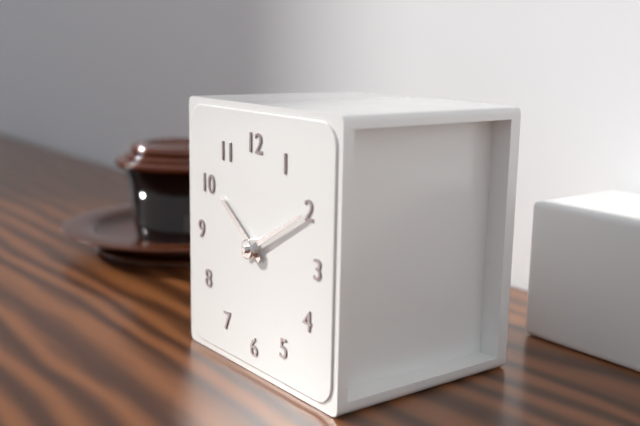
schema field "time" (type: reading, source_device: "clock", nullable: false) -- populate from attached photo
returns 10:10
